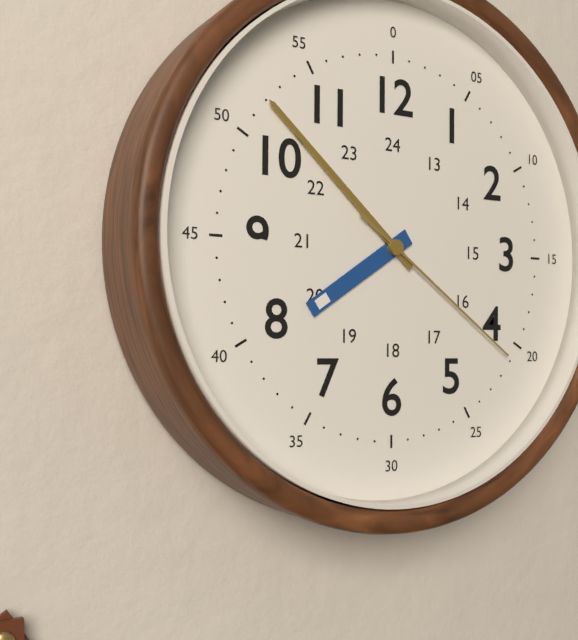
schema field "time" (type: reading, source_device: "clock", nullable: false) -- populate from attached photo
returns 7:52:21
